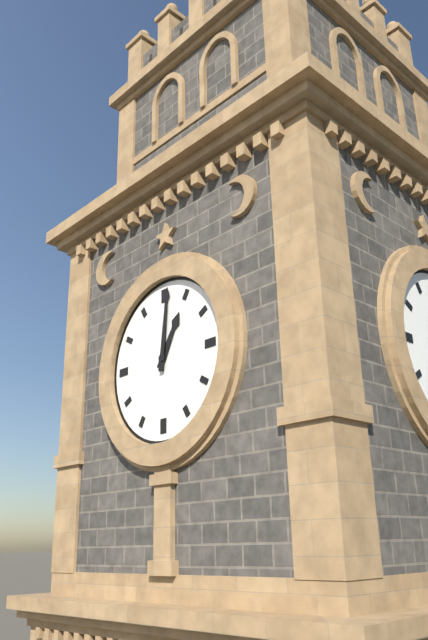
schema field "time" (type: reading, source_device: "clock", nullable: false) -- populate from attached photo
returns 1:01
